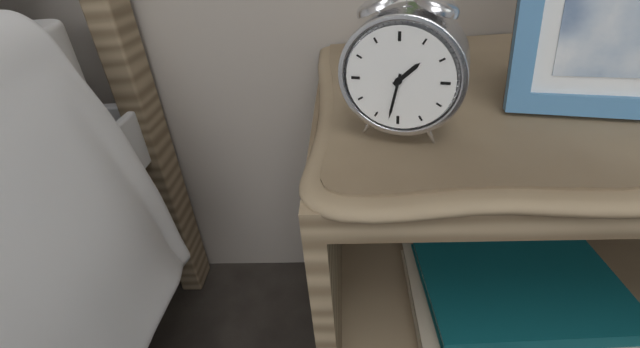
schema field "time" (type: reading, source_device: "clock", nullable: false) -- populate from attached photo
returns 1:32
